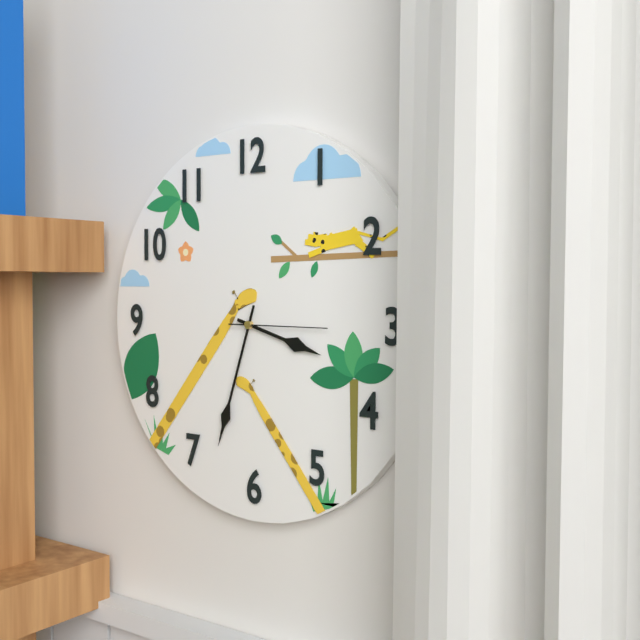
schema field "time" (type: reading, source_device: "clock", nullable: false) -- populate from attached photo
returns 3:33:15
